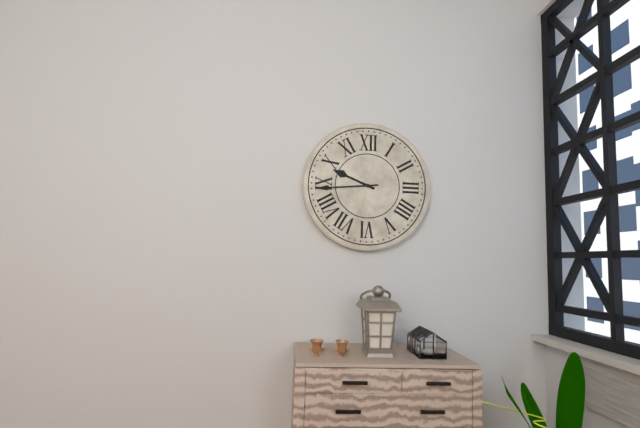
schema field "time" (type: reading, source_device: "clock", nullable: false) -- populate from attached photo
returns 9:44
